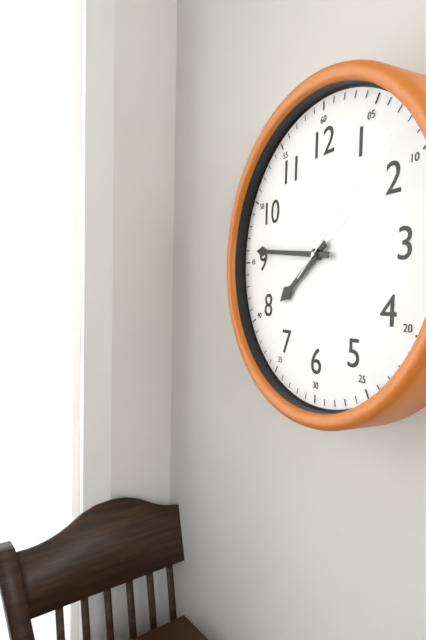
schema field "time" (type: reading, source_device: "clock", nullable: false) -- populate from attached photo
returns 7:46:08
